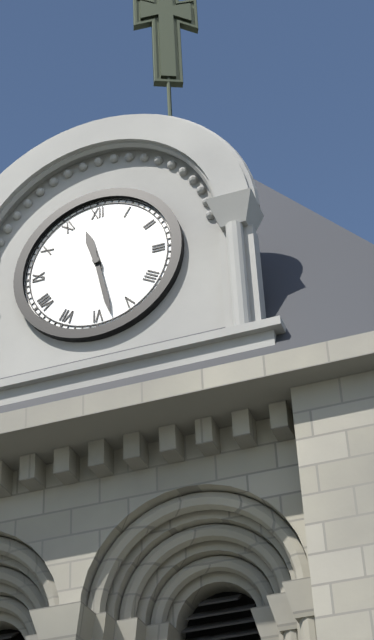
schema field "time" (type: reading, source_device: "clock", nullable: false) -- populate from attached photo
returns 11:28
